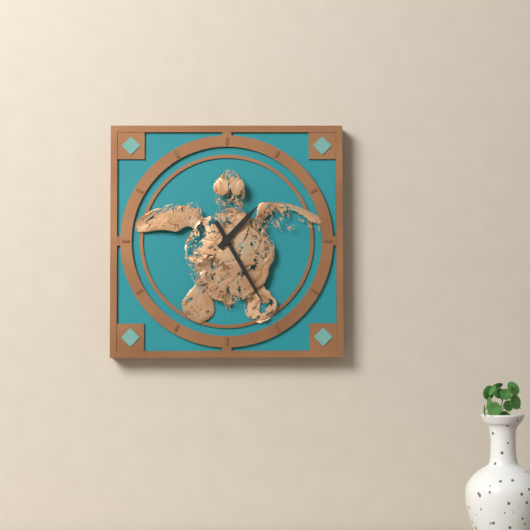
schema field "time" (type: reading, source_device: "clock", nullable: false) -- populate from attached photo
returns 1:25
